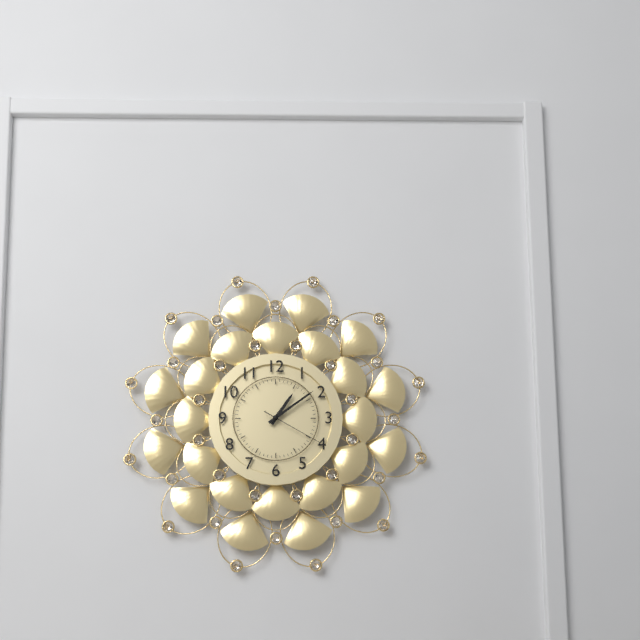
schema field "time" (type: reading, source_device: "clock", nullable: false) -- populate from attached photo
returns 1:09:20
